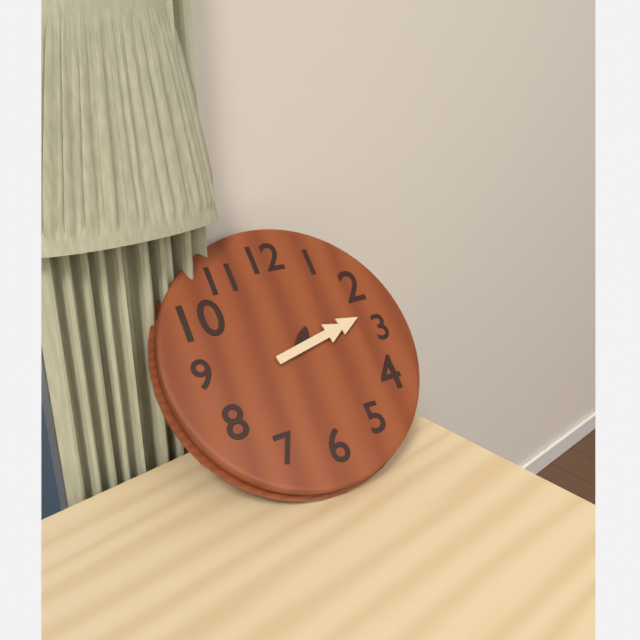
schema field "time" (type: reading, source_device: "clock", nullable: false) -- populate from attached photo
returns 1:13
